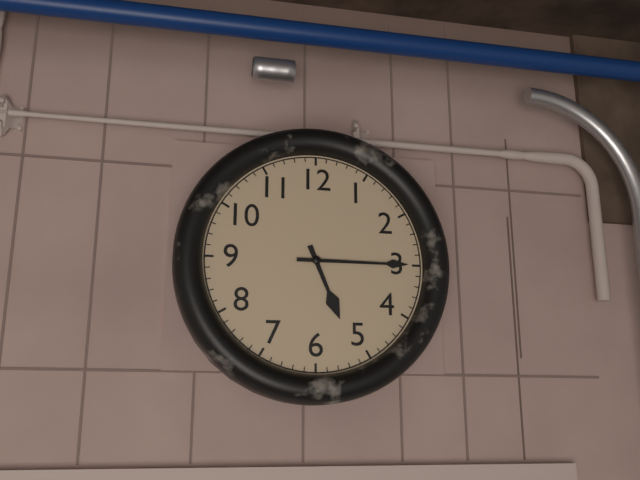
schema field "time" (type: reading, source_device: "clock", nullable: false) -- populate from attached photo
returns 5:15
